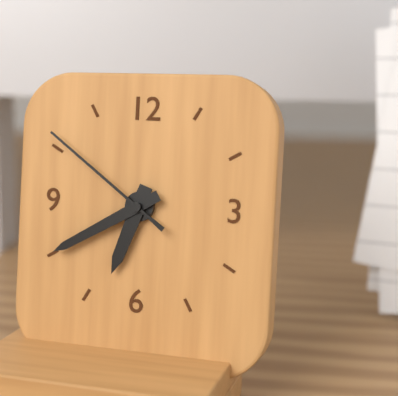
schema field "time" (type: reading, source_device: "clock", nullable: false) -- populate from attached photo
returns 6:40:51
